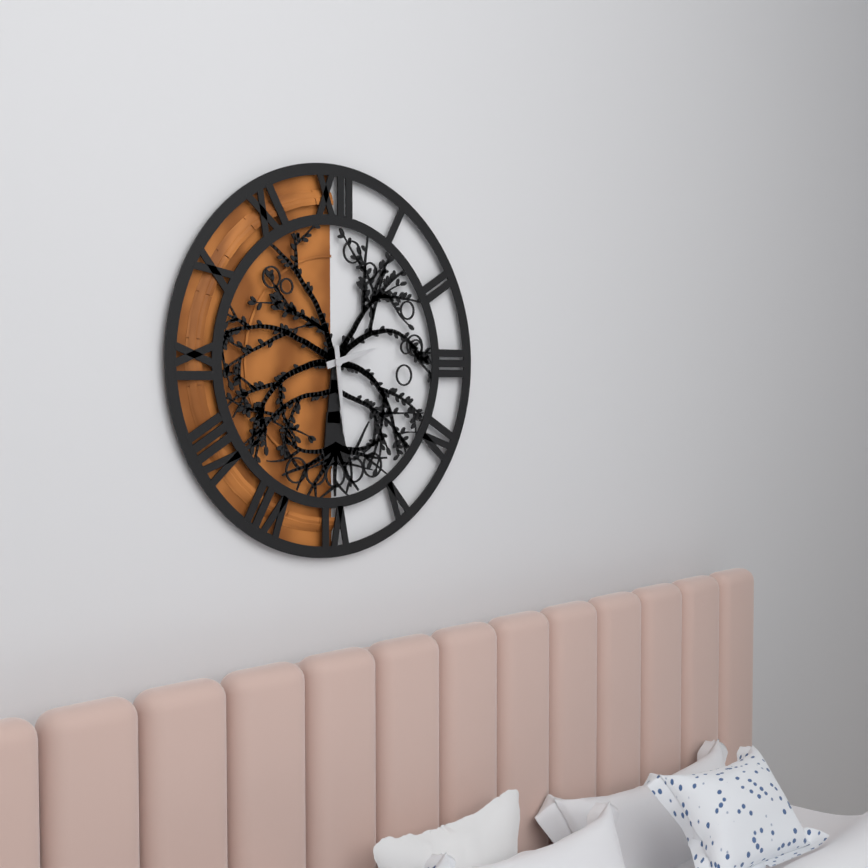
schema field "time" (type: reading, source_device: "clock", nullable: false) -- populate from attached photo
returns 2:29
